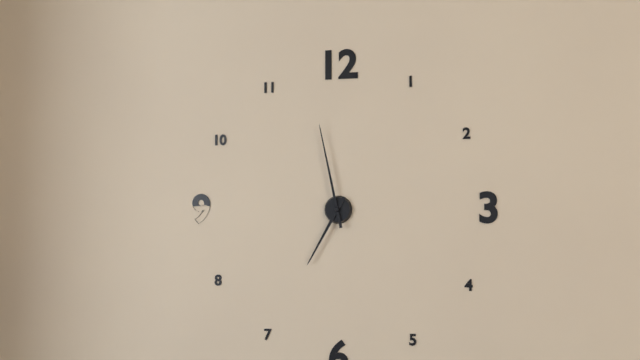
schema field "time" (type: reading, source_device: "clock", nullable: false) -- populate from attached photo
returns 6:58
